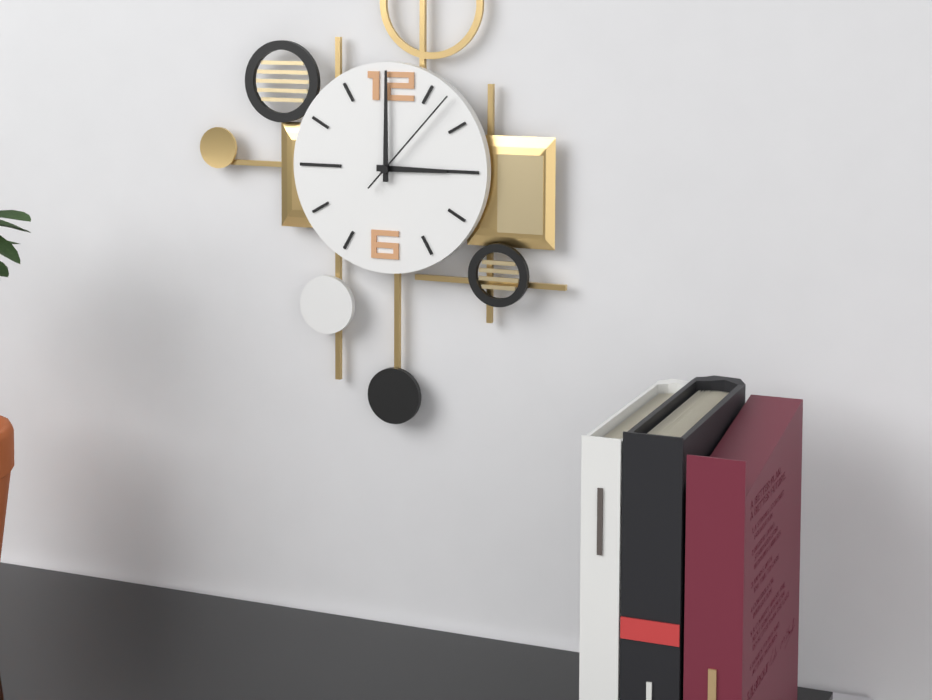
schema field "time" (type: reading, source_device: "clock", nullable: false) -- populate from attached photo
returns 3:00:07
